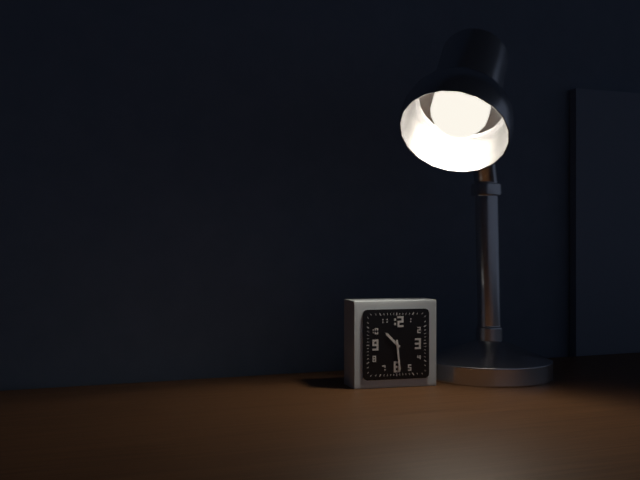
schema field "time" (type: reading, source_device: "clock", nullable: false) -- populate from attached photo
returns 10:29
